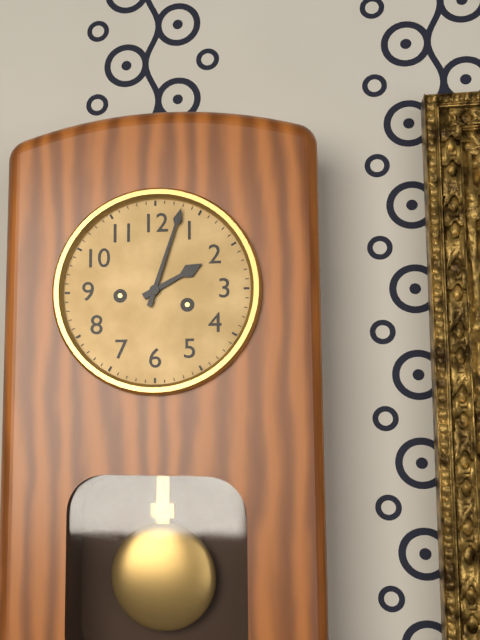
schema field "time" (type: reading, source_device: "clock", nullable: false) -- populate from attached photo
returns 2:03
